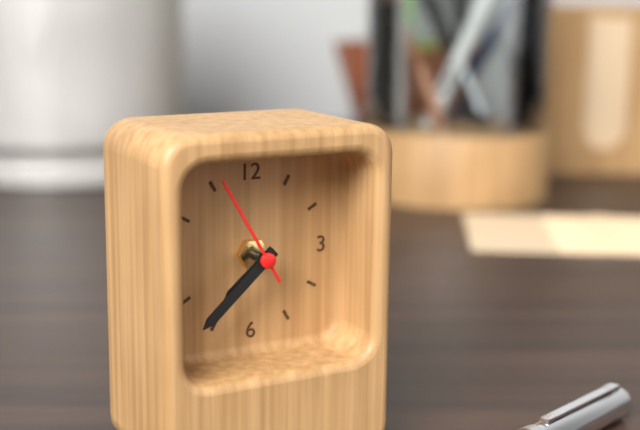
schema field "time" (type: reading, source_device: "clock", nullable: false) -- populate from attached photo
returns 7:38:55
